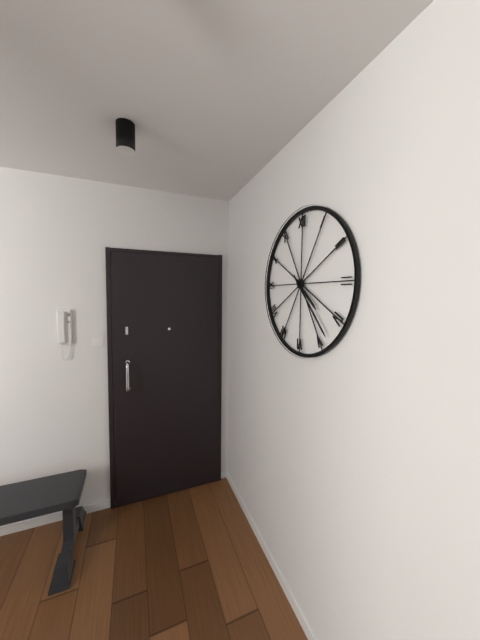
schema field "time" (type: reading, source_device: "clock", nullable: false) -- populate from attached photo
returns 4:23
